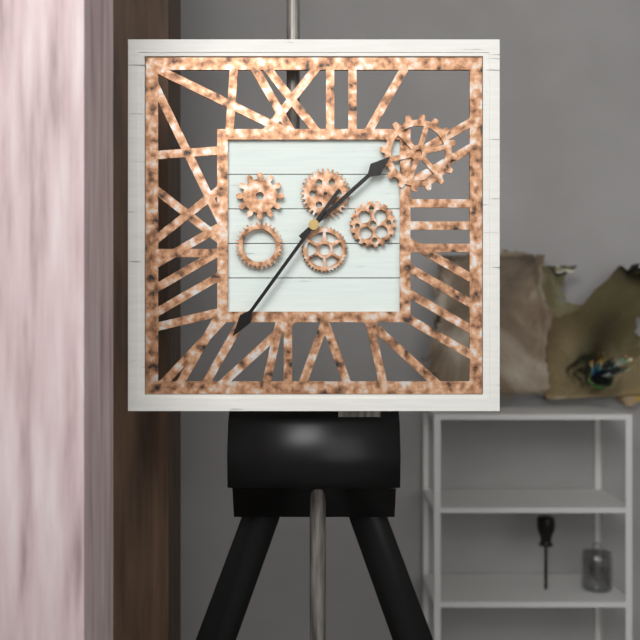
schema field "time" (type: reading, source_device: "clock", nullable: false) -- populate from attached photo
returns 1:36
